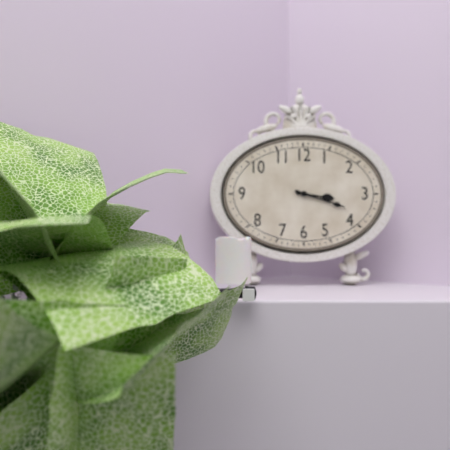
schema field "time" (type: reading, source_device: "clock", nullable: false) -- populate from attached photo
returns 3:18
